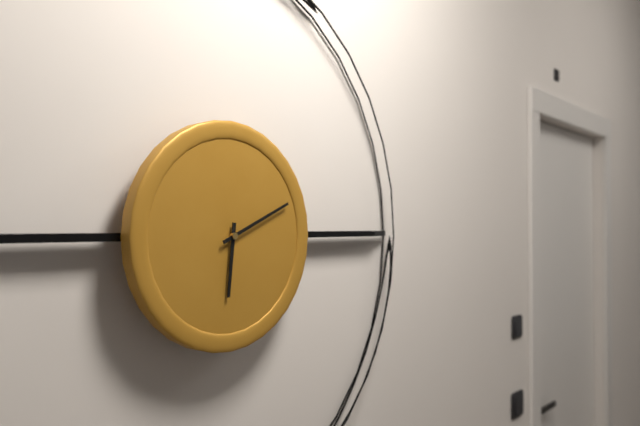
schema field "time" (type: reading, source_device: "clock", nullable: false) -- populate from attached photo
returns 6:11
